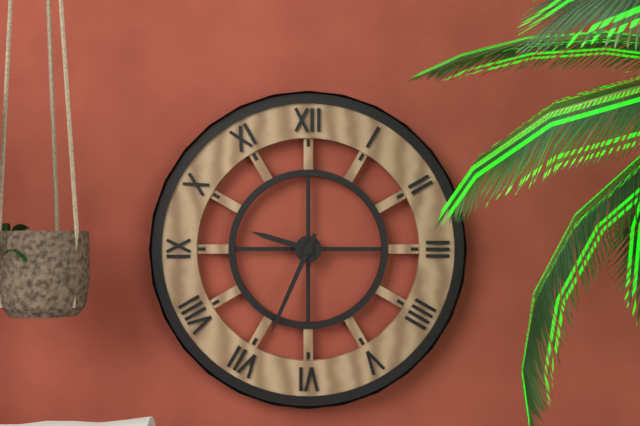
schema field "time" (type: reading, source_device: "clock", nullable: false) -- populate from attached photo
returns 9:34
